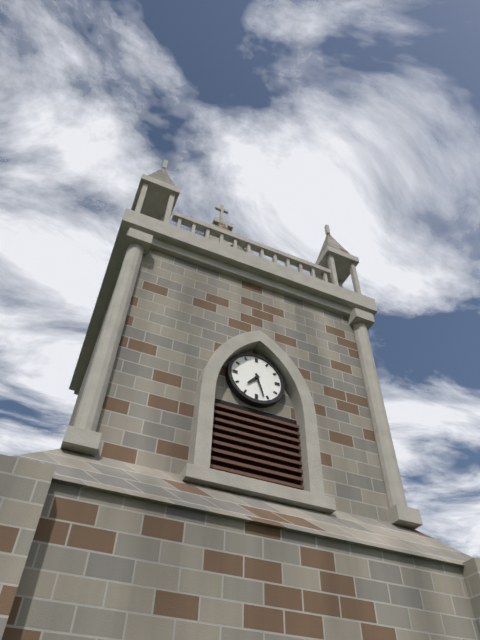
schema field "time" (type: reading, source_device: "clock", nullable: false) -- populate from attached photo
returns 7:27
